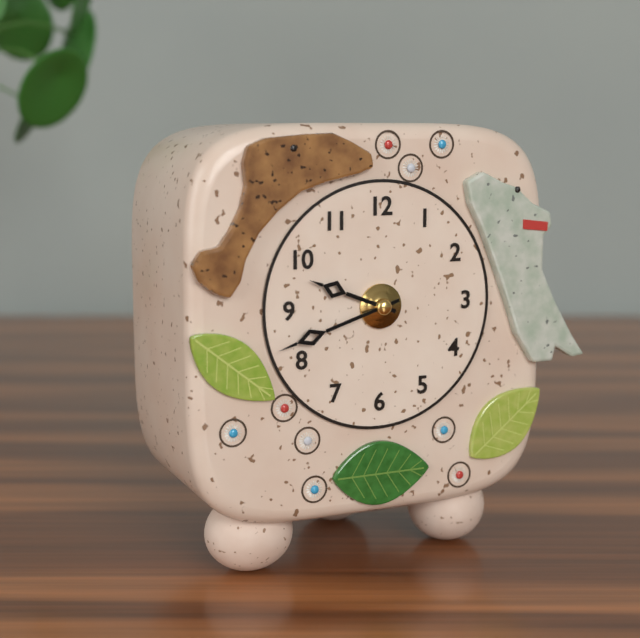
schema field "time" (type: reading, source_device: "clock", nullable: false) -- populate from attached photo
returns 9:42
